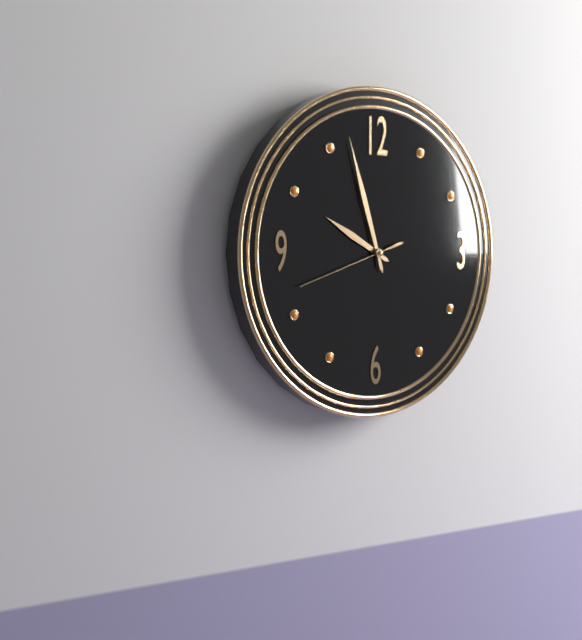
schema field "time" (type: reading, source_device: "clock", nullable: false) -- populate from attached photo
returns 9:57:42
